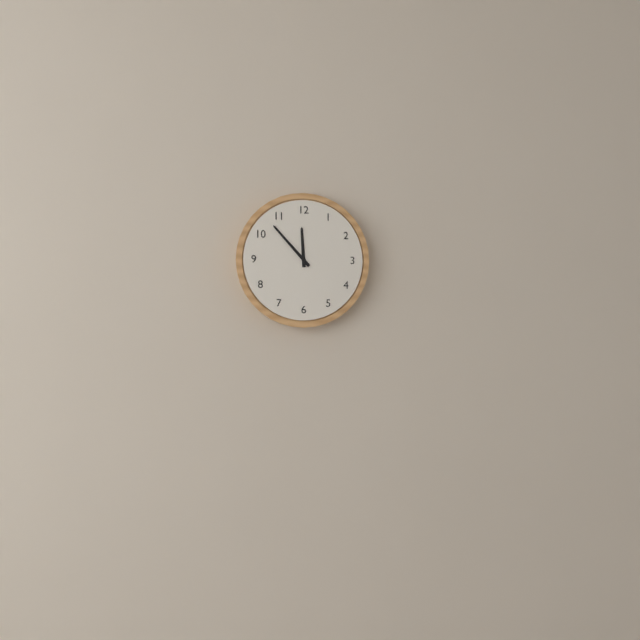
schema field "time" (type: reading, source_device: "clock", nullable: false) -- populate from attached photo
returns 11:53
